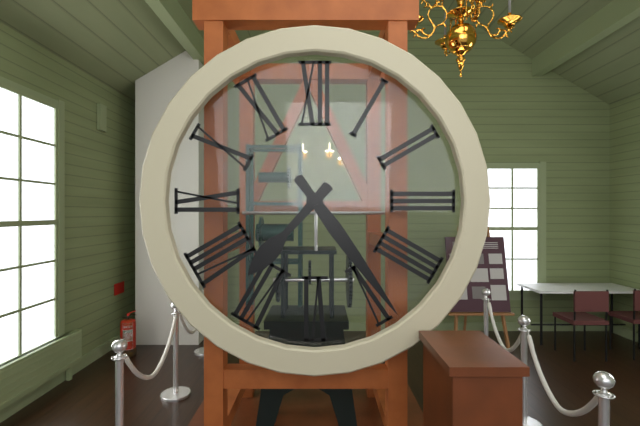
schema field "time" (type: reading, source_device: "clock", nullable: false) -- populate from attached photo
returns 7:24
